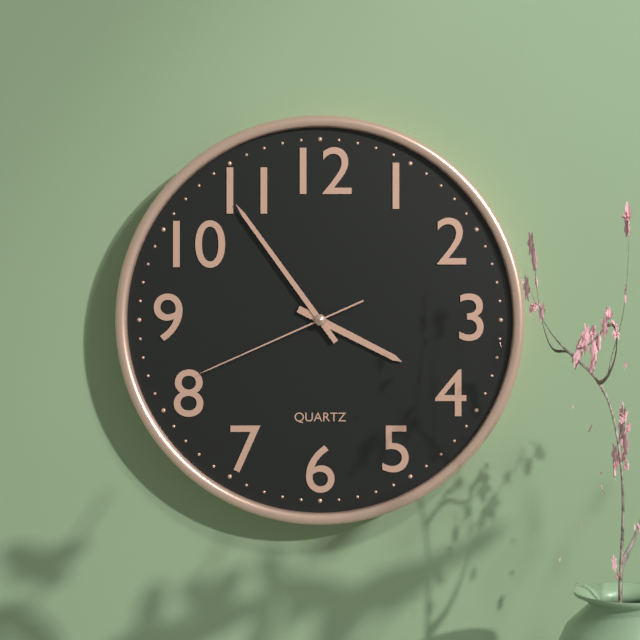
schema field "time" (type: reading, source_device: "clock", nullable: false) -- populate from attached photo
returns 3:54:41
